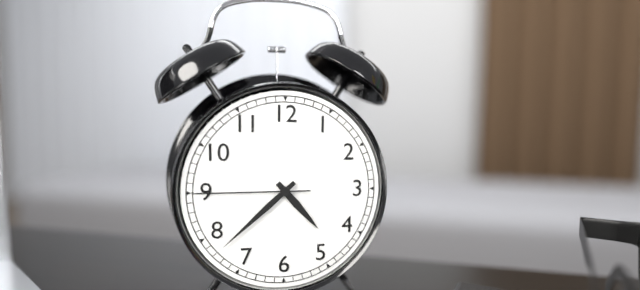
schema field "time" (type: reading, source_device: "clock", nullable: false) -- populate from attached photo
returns 4:38:45
